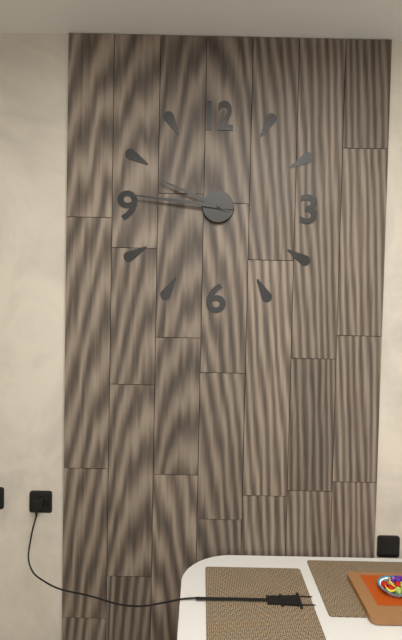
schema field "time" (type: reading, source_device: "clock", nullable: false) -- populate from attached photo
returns 9:46
